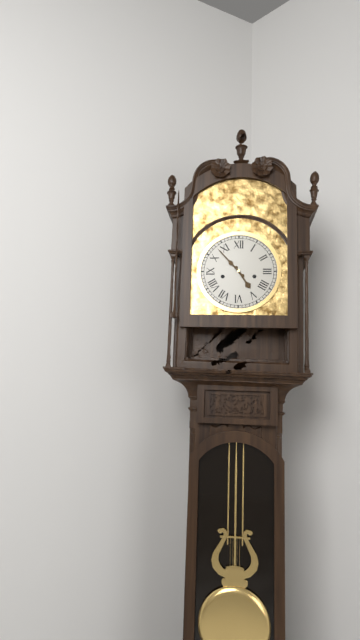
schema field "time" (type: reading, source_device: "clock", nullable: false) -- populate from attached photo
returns 4:53
